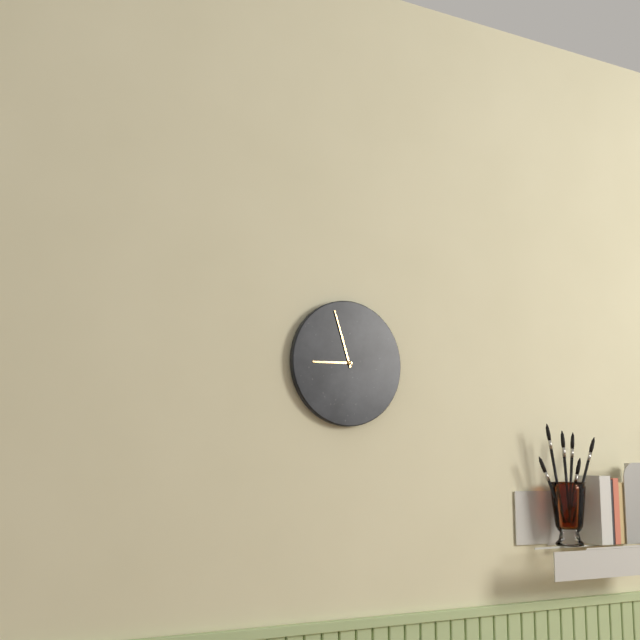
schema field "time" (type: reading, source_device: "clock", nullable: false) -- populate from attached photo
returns 8:57
